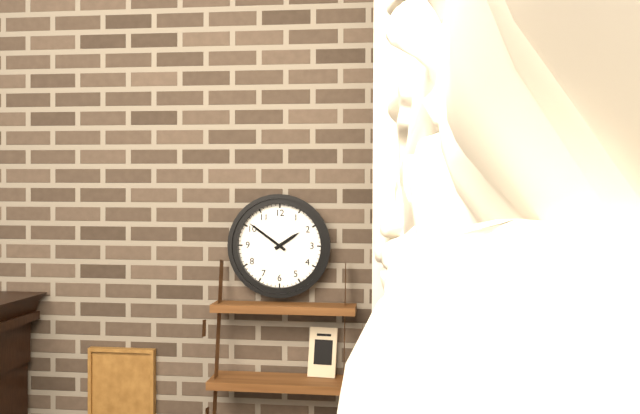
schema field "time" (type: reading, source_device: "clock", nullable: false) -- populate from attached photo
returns 1:51
